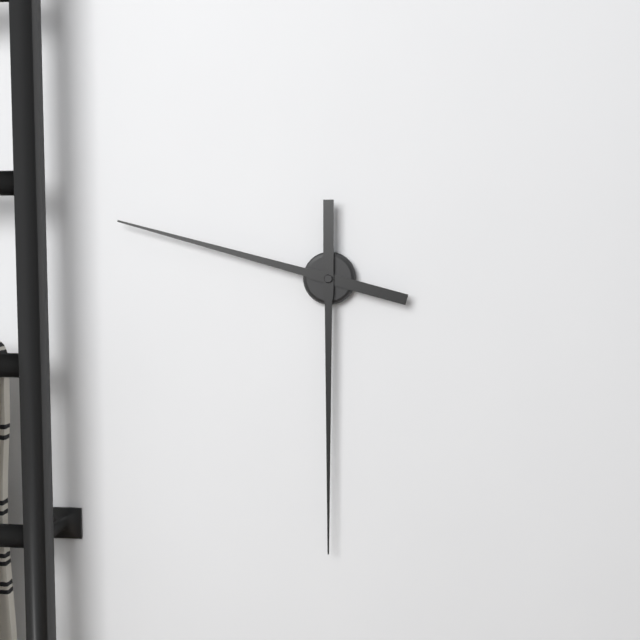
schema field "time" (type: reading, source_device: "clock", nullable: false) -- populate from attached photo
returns 9:30
